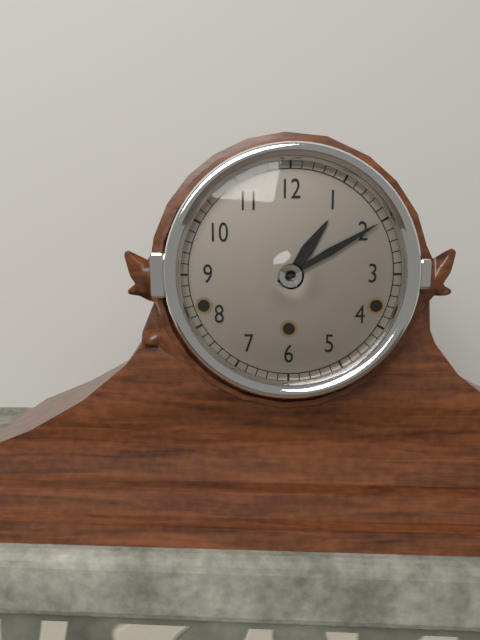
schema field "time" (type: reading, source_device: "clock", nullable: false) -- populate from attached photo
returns 1:10
